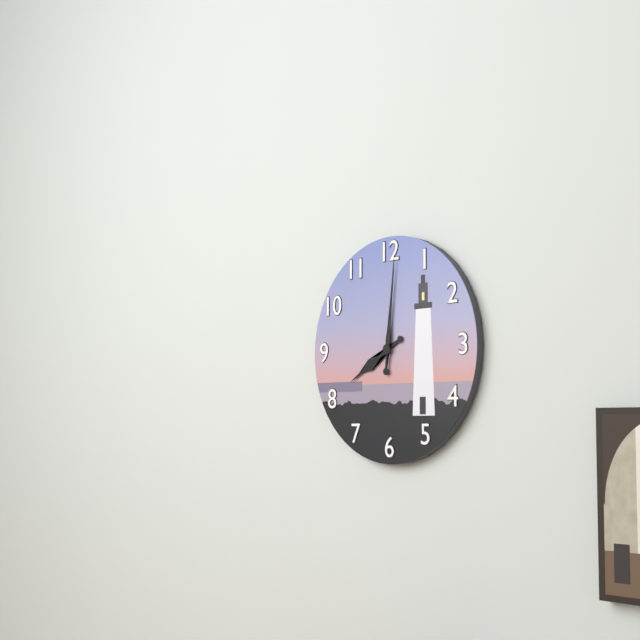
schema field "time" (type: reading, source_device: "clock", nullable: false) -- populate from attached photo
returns 8:01
